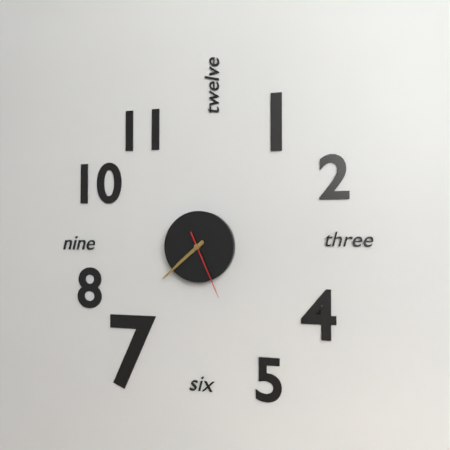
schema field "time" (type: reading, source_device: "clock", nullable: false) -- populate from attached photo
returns 7:38:26
